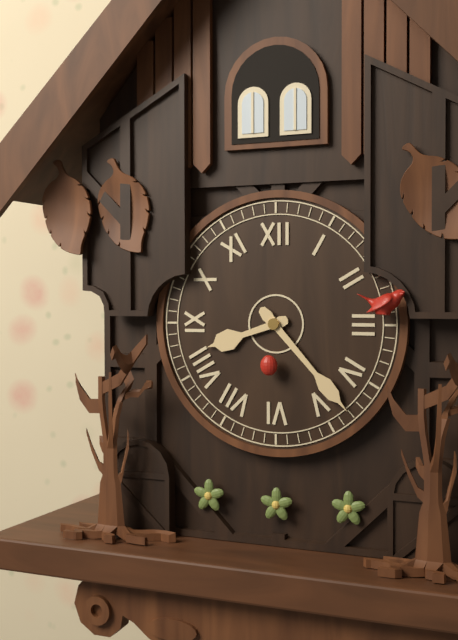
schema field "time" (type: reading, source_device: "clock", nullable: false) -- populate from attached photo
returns 8:23
